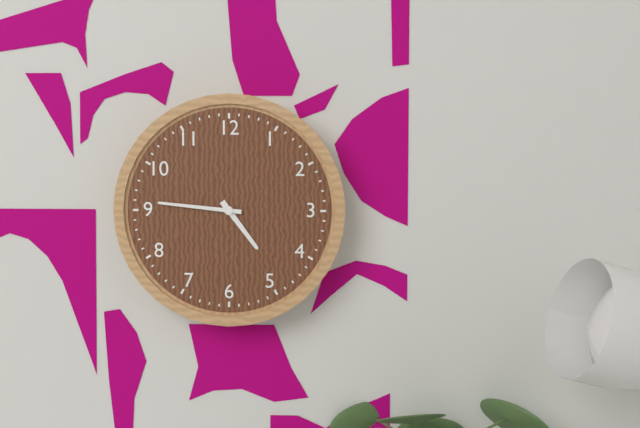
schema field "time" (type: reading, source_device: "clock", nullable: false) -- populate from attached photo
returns 4:46
